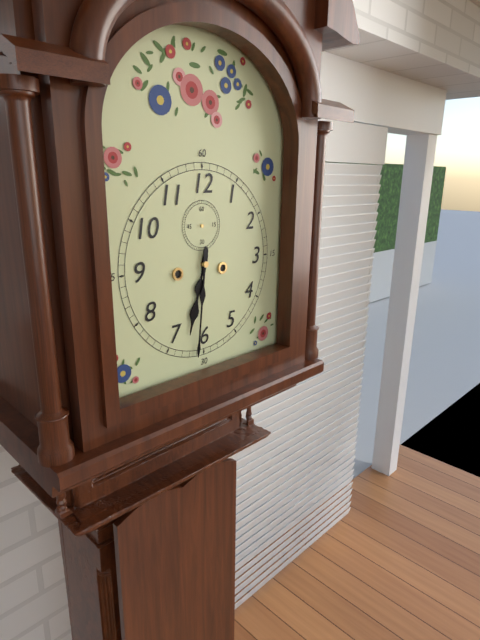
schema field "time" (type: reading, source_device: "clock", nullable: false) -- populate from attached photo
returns 6:31
